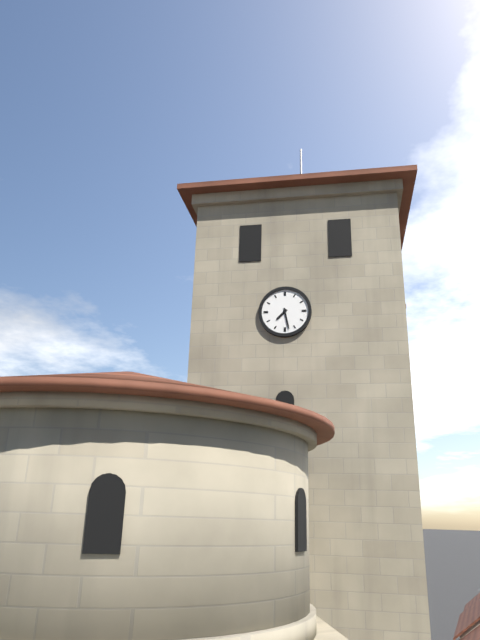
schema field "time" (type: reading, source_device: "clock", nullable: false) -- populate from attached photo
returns 7:28
